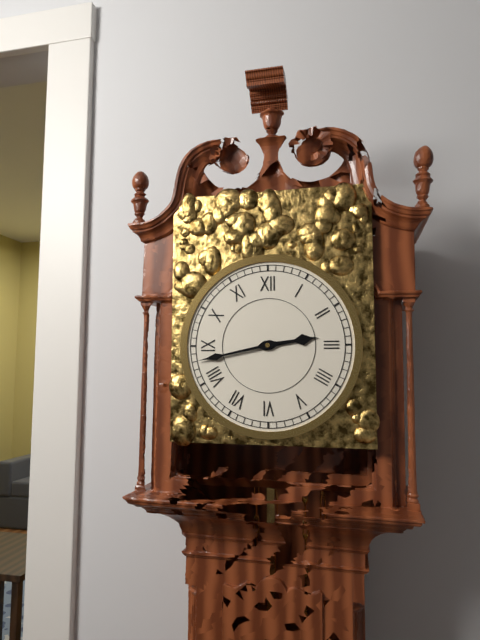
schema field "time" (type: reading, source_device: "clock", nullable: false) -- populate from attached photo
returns 2:43
